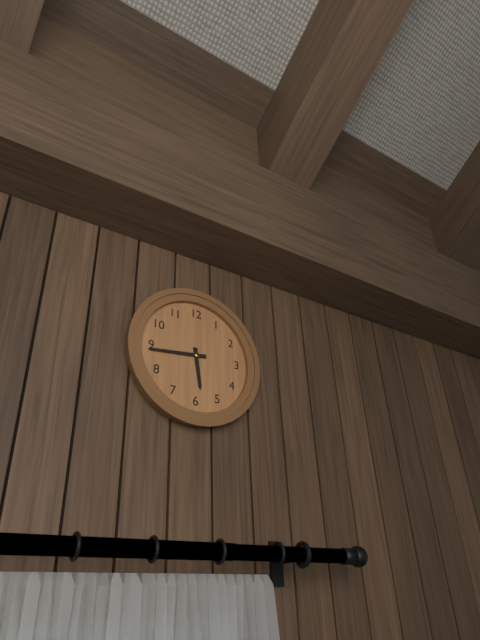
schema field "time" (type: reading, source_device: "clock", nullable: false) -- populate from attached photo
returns 5:44
